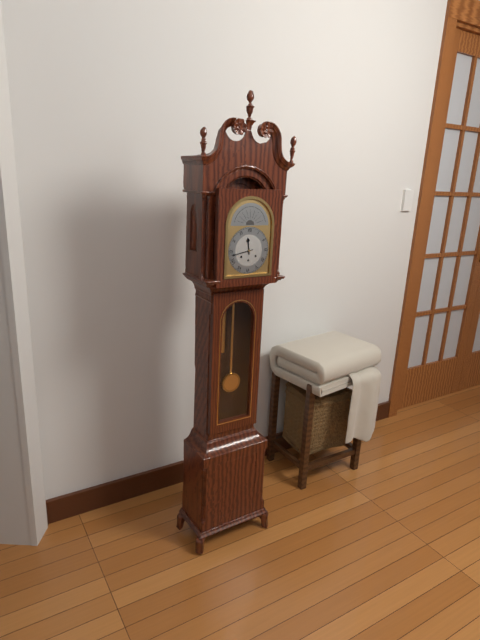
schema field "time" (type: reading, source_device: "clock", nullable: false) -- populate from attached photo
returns 11:43
